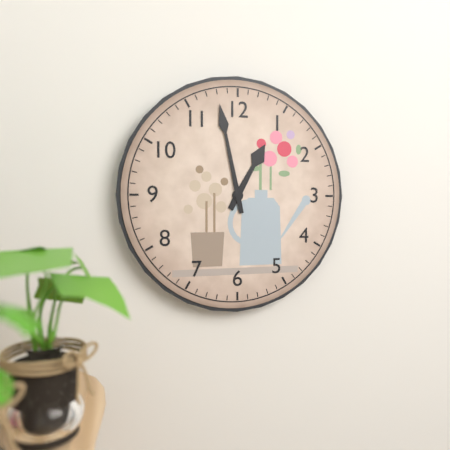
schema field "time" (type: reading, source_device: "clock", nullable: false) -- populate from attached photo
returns 12:58
